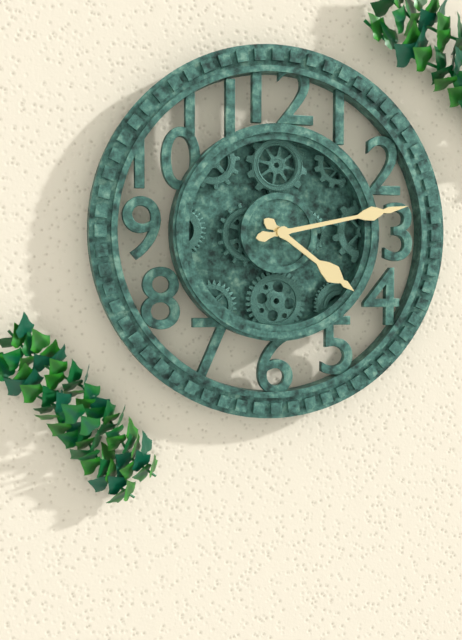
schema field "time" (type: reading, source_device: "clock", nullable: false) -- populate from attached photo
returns 4:13
